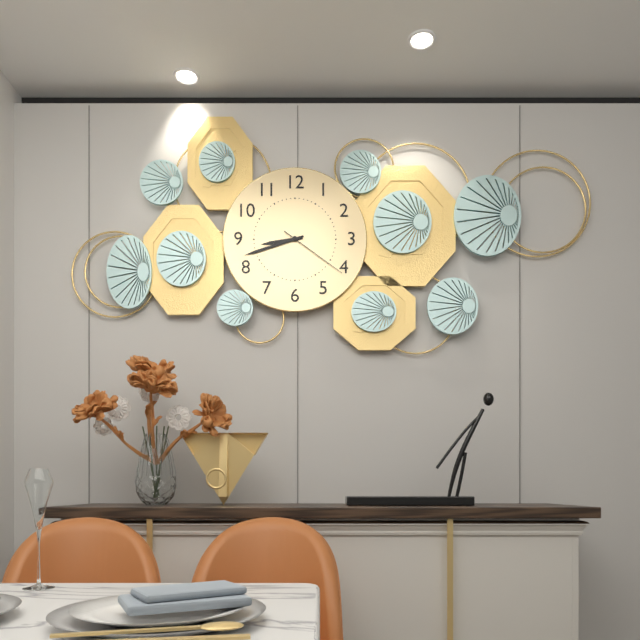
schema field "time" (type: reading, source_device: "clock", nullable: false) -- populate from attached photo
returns 8:42:21
